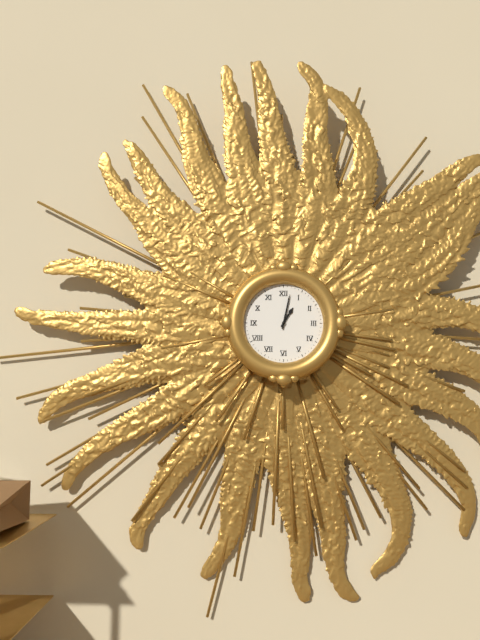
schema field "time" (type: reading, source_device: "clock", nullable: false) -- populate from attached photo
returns 1:02
